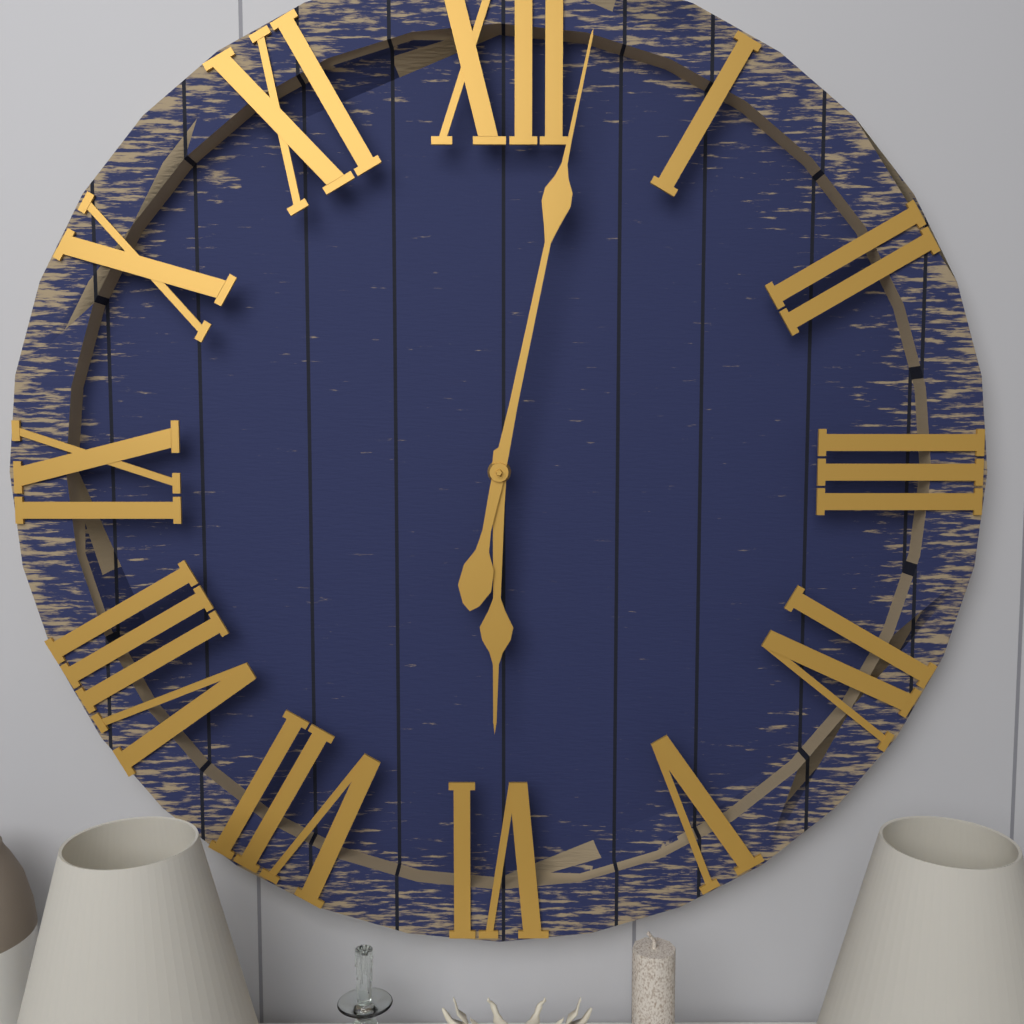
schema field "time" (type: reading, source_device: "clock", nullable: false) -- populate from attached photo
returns 6:02
